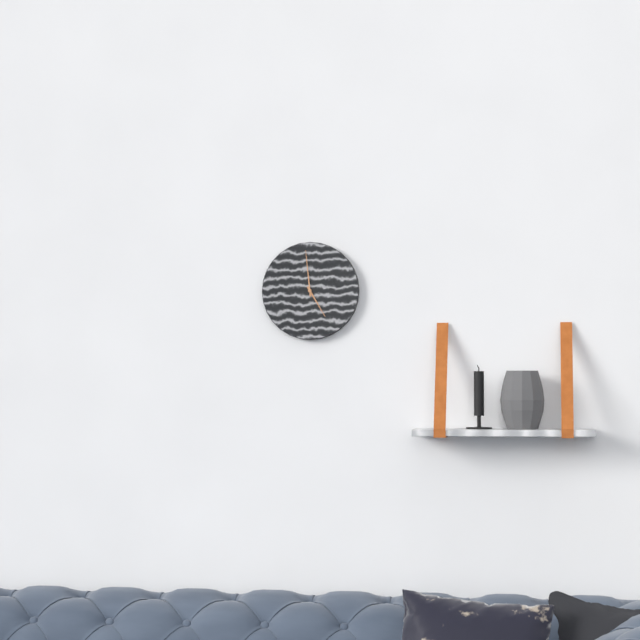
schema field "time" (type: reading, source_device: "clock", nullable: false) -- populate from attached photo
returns 4:59
